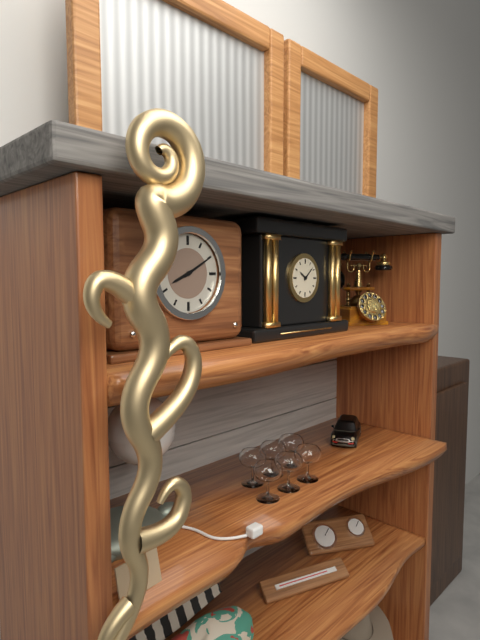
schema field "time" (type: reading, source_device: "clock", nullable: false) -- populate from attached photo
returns 8:10
